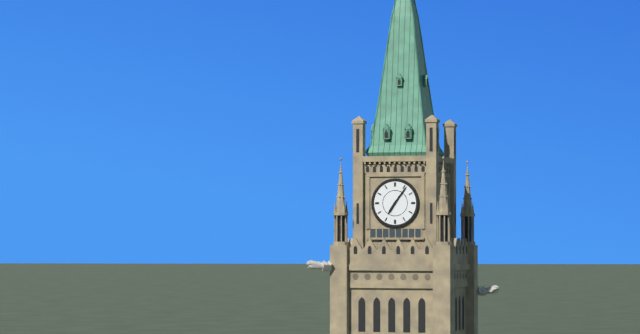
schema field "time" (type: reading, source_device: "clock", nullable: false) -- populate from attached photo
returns 7:06
